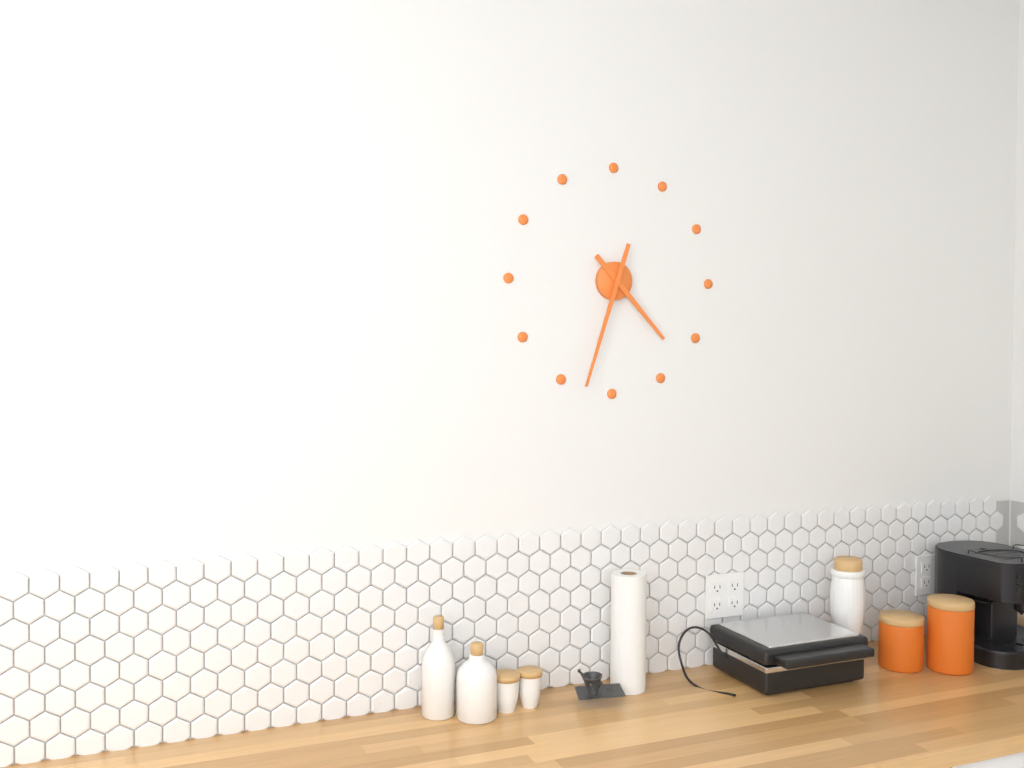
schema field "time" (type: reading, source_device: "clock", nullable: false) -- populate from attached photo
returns 4:33
